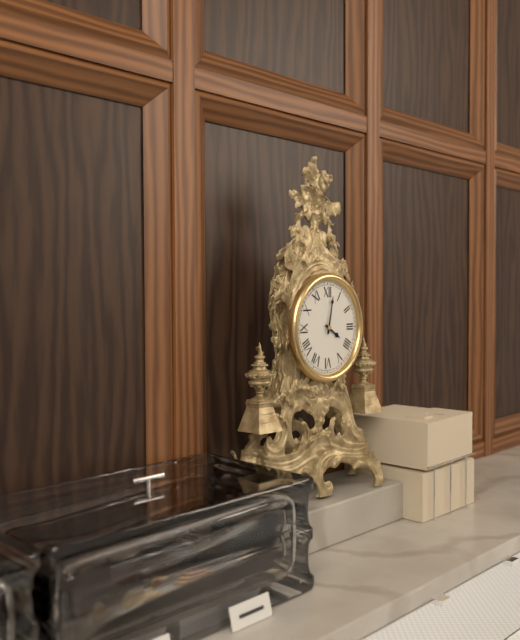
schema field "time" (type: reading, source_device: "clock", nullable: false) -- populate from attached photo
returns 4:02
